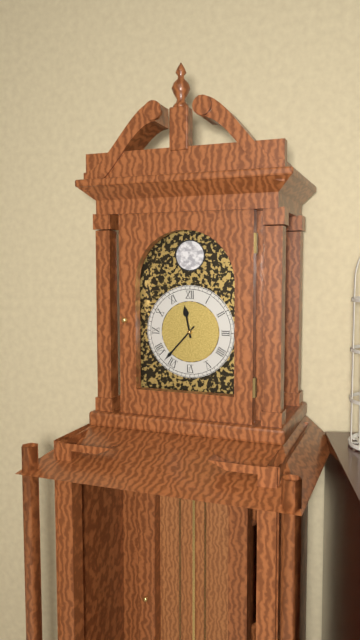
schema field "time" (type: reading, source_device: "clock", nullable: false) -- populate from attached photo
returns 11:37
